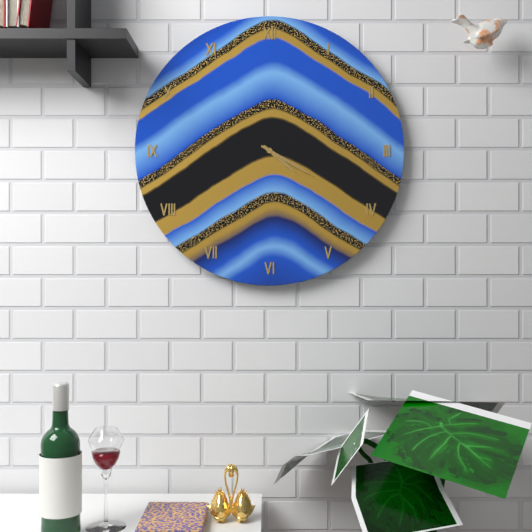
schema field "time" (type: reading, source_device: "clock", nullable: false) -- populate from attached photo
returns 4:20
